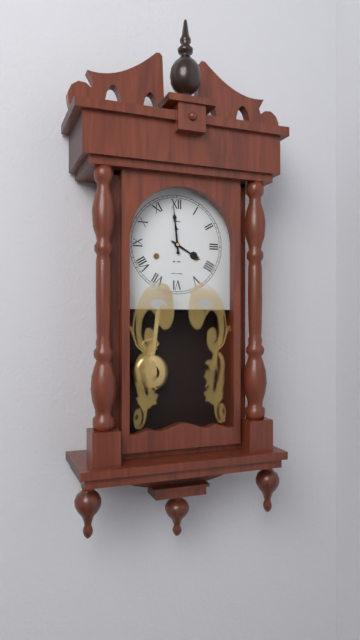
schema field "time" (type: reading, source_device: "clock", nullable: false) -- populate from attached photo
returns 3:59
